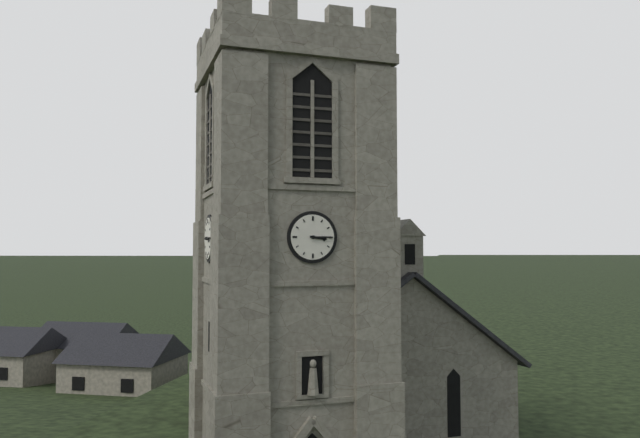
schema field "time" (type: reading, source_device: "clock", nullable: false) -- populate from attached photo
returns 3:15
